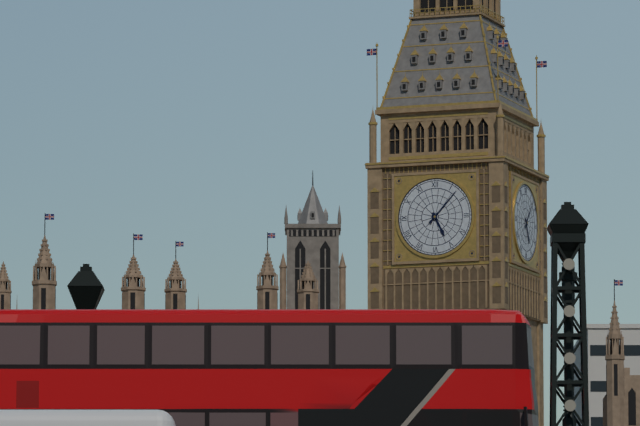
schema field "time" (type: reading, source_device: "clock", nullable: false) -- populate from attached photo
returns 5:07
